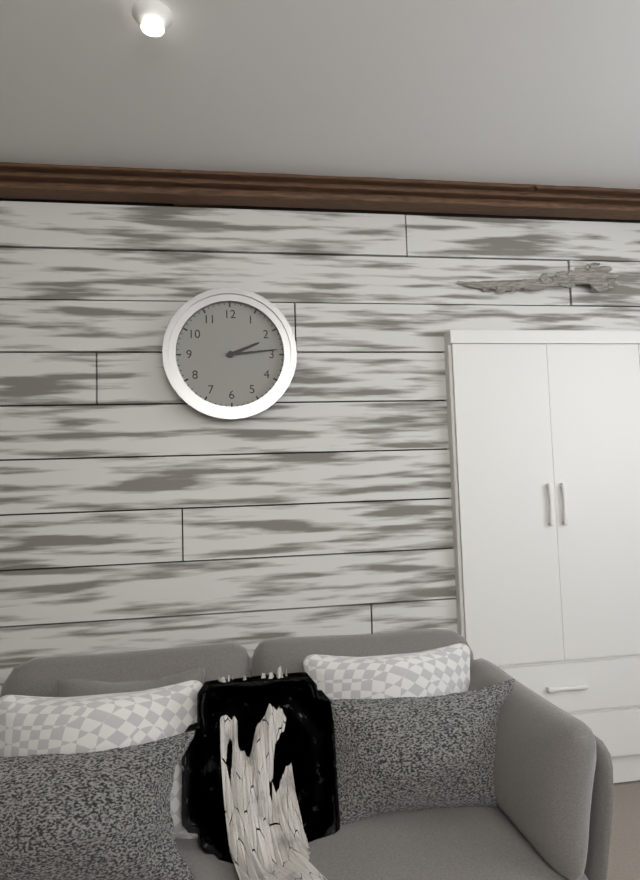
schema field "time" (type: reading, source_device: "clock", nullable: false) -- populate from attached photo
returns 2:14
